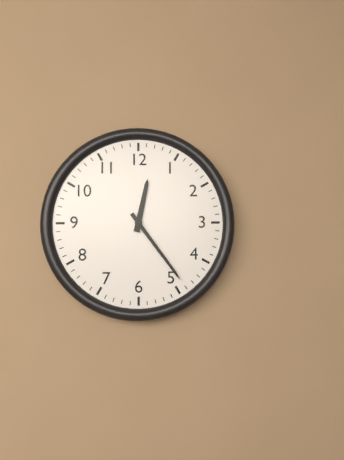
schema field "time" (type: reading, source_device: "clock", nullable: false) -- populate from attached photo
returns 12:24
